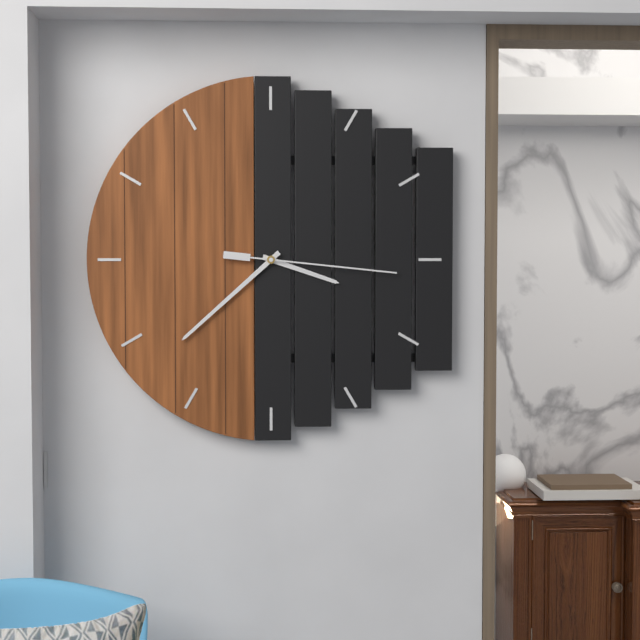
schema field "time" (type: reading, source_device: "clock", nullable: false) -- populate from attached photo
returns 3:38:16
